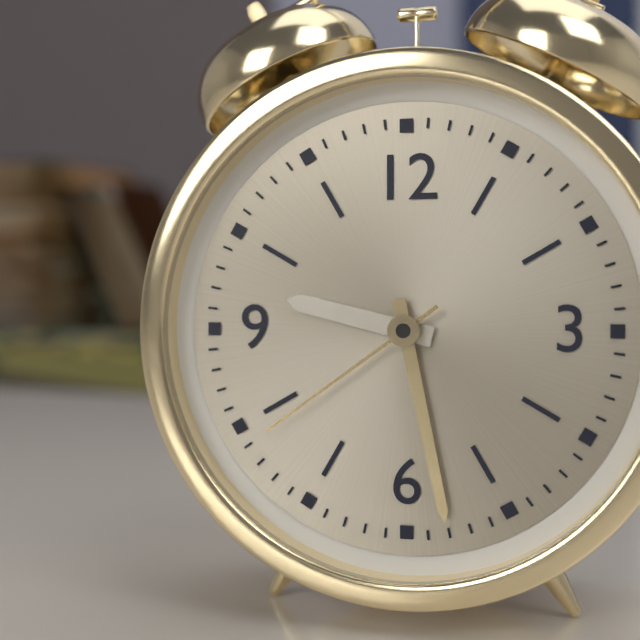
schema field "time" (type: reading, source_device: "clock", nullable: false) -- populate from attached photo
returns 9:28:39
